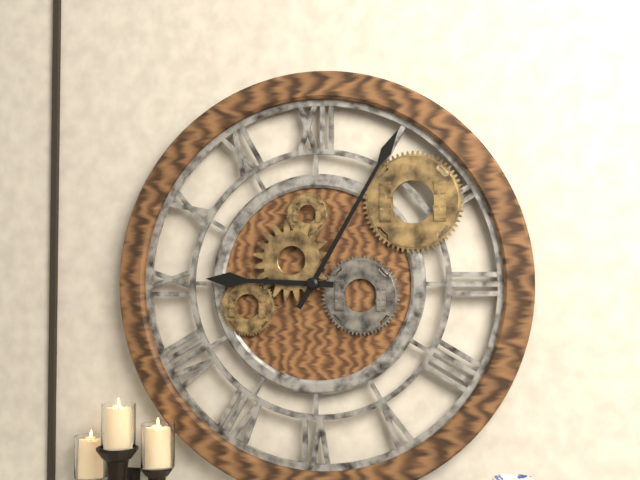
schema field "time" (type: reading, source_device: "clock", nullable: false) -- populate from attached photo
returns 9:05
